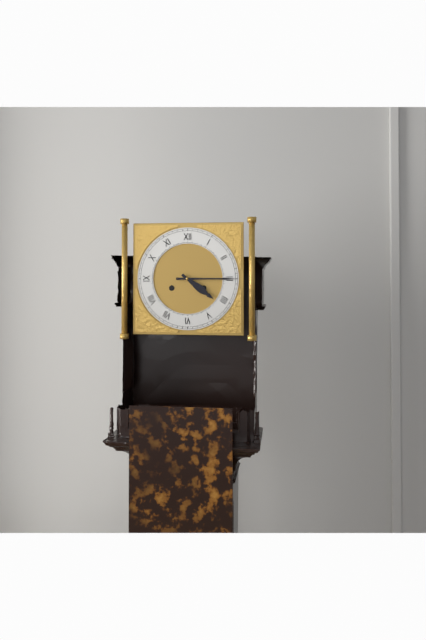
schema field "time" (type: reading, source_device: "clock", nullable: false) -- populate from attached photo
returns 4:15
